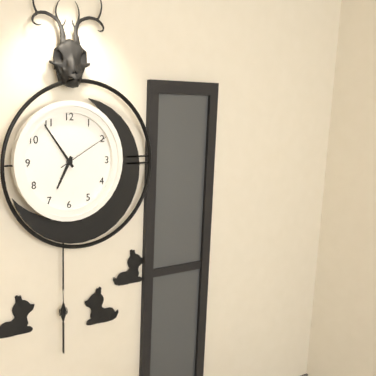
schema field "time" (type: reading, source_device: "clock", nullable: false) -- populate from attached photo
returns 6:54:10
